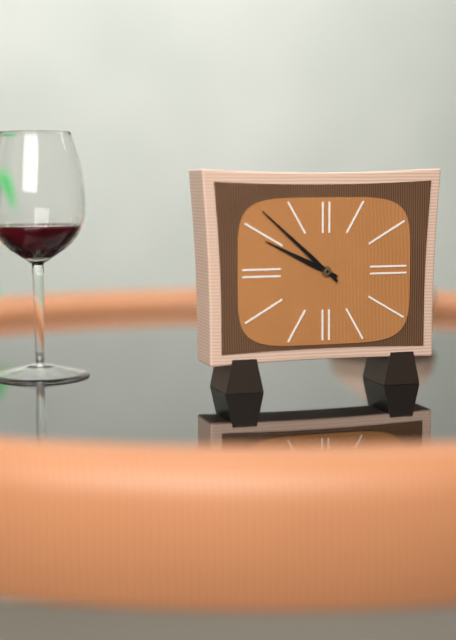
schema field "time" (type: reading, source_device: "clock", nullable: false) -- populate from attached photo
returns 9:52
